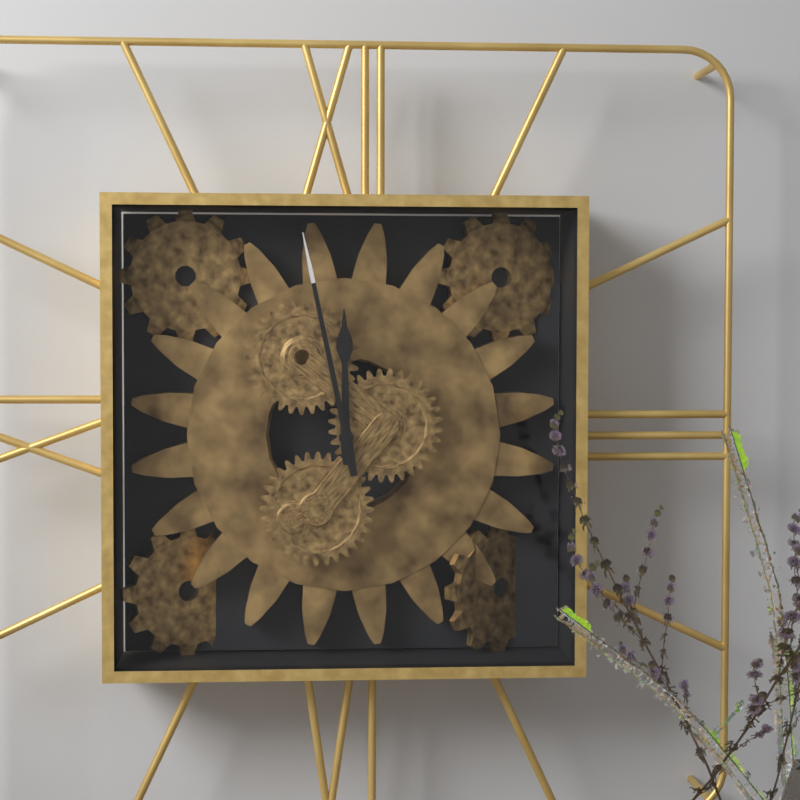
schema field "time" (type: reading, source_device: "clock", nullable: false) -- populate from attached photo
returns 11:58
